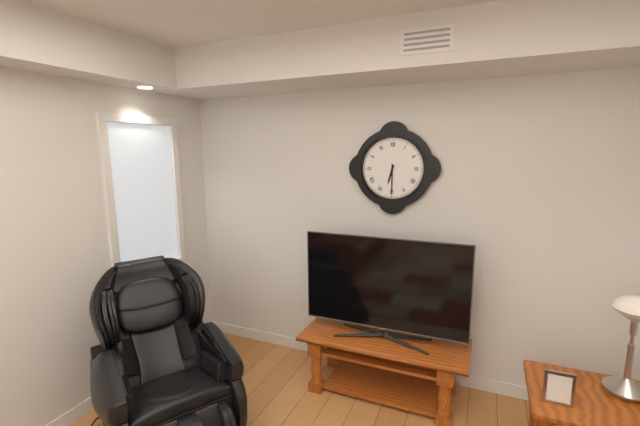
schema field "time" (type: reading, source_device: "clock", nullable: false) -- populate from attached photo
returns 6:30
